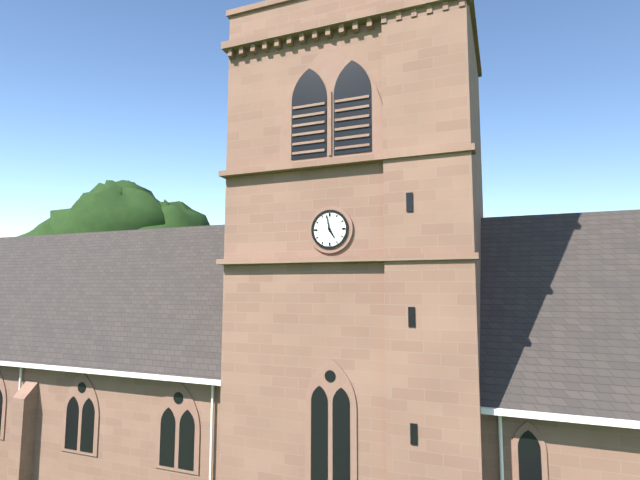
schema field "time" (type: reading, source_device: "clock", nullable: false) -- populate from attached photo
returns 4:58
